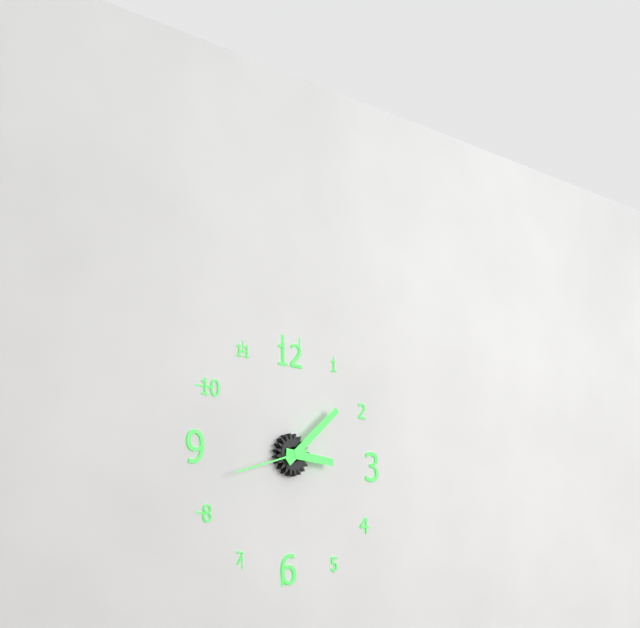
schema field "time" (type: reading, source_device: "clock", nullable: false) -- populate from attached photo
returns 3:08:42
